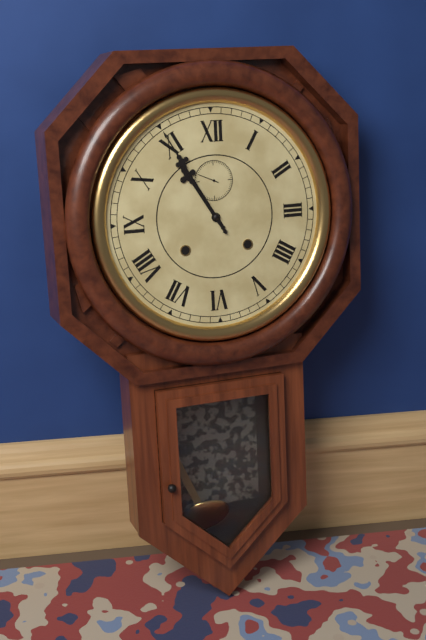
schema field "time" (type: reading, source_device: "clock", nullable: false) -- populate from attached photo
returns 10:55
